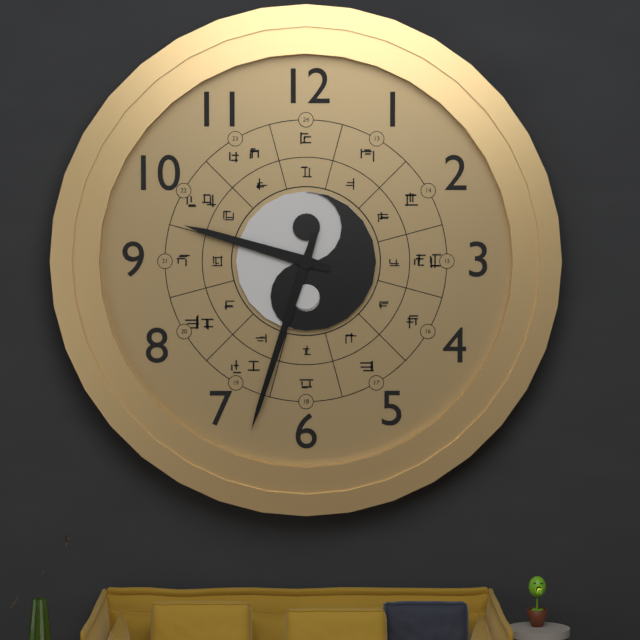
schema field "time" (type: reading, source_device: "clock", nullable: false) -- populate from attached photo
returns 9:33
